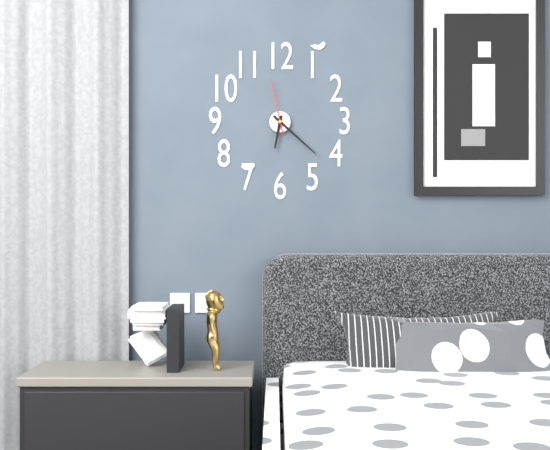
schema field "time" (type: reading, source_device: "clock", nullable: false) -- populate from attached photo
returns 6:22:58
